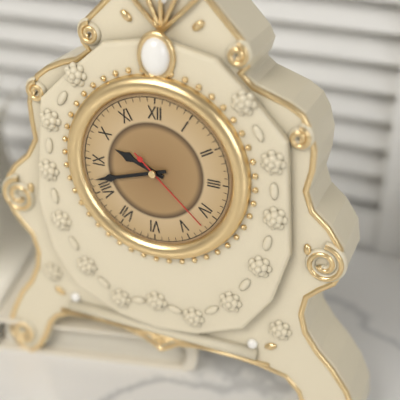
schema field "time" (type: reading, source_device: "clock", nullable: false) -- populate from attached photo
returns 9:42:22
